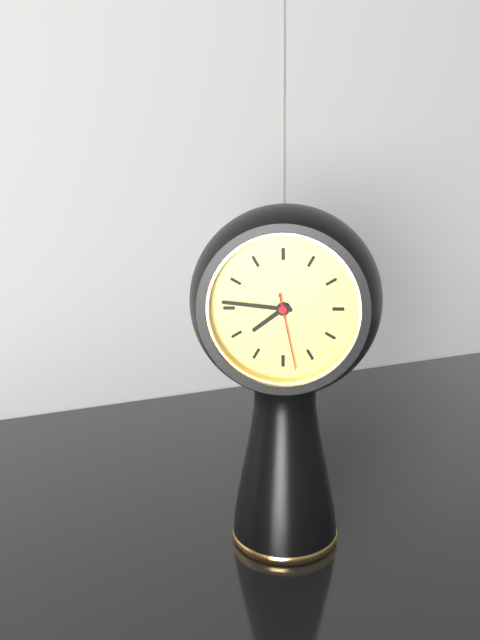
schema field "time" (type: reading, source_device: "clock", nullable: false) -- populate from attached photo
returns 7:46:28
